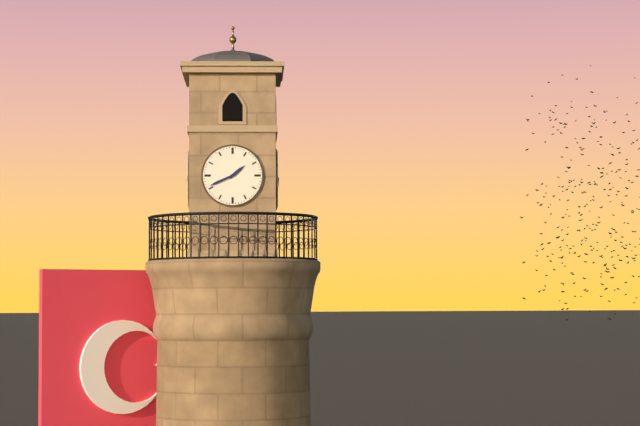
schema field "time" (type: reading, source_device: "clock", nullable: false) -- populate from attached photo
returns 1:41
